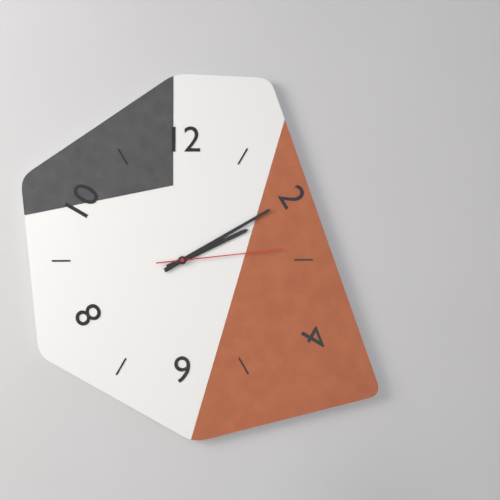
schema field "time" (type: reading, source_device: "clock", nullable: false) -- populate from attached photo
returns 2:10:14
